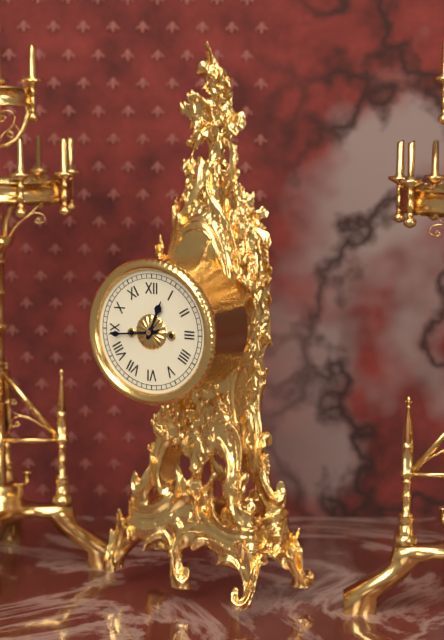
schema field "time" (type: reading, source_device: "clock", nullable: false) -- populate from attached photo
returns 12:44
